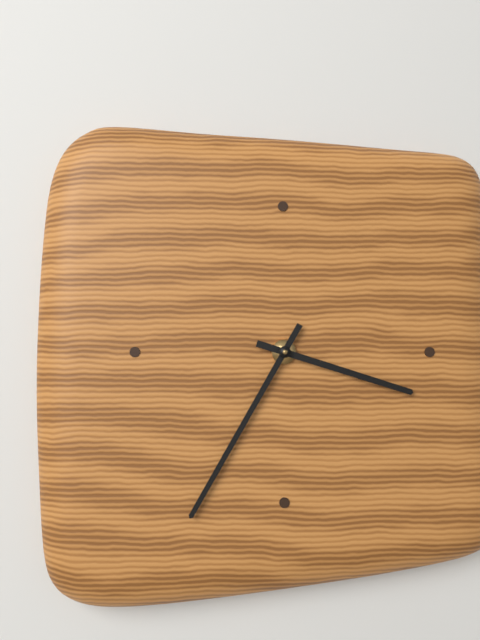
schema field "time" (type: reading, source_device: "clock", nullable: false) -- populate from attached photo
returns 3:35
